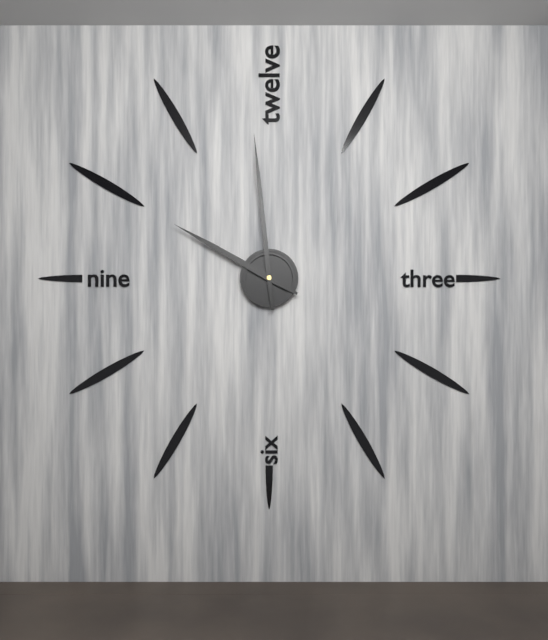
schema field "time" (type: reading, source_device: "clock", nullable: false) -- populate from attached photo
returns 9:59
